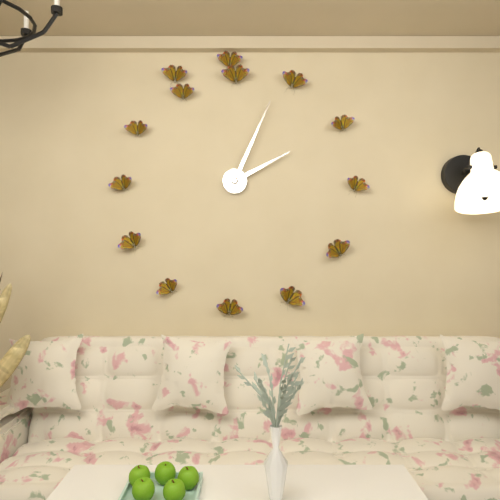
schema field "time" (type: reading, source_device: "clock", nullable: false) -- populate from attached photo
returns 2:04
